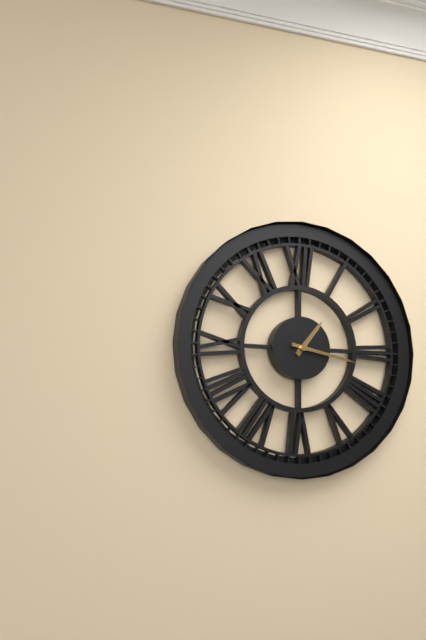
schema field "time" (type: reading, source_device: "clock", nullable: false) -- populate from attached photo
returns 1:17
